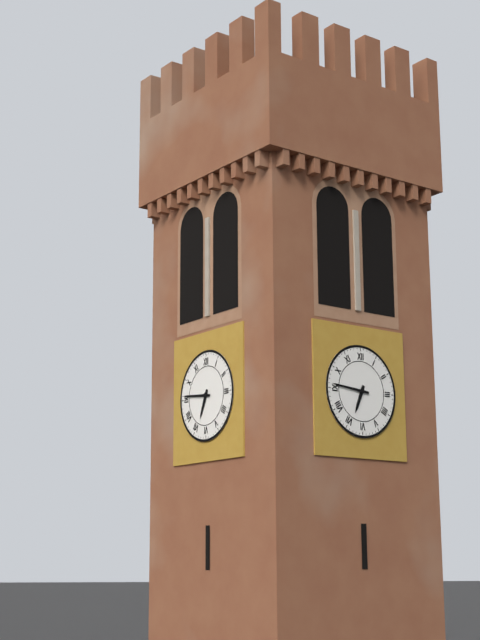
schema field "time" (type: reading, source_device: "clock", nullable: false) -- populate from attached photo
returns 6:46
